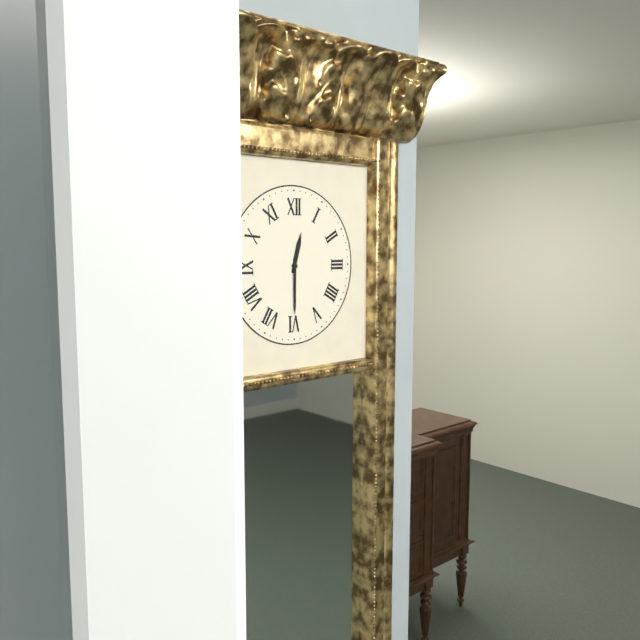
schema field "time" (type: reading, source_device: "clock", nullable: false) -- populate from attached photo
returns 12:30
